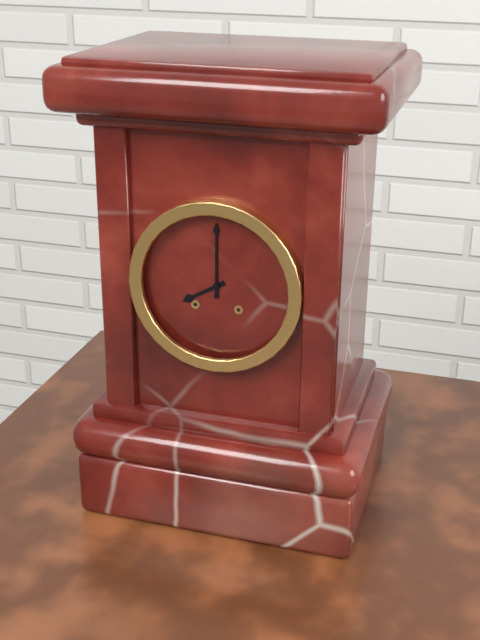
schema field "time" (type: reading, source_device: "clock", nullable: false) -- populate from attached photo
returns 8:00
